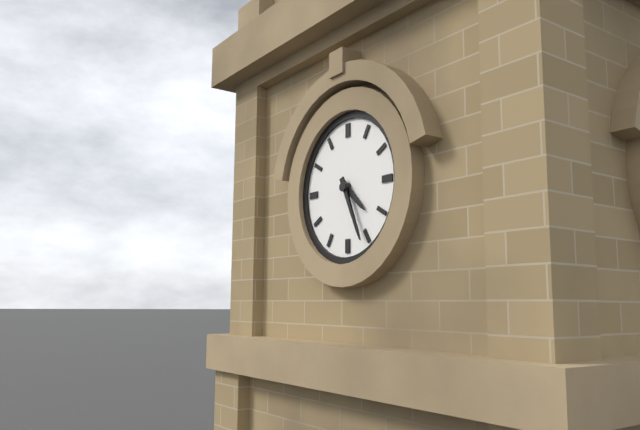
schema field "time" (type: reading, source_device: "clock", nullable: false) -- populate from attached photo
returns 4:26
